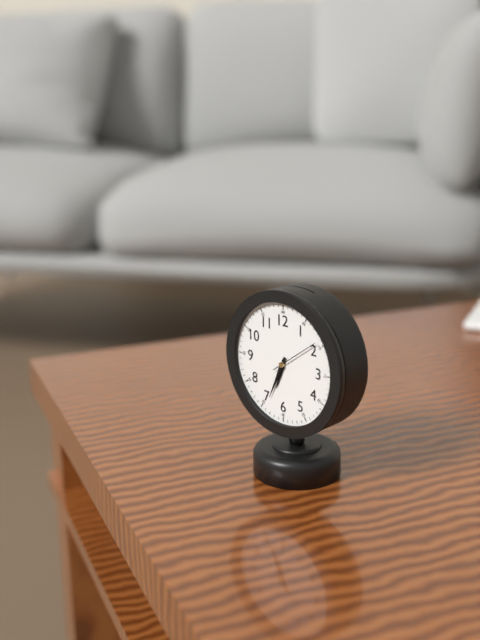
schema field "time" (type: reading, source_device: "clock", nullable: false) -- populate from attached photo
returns 6:34
